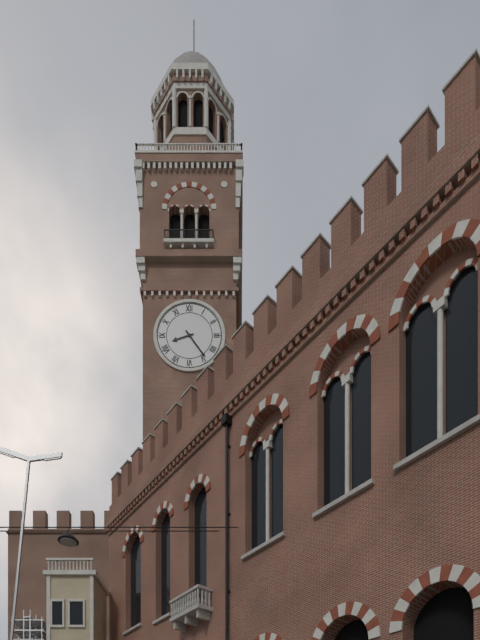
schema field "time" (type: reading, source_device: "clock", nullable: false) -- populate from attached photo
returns 8:24
